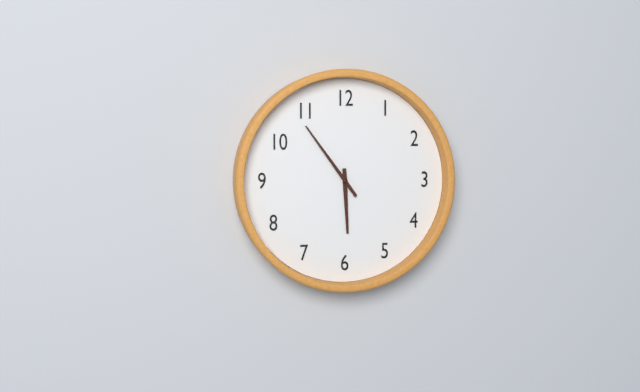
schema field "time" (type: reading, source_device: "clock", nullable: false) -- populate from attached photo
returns 5:54
